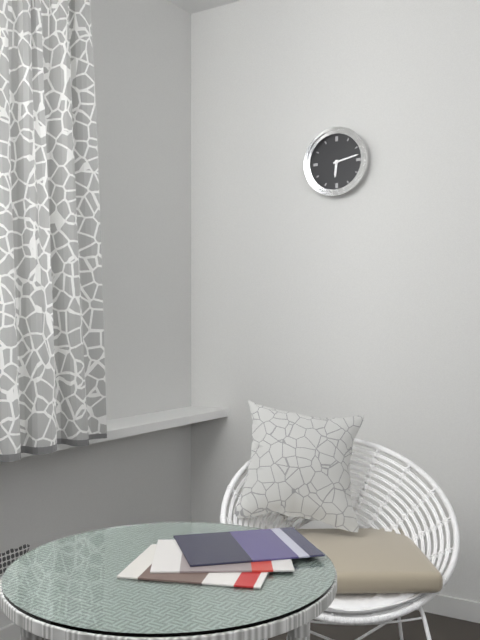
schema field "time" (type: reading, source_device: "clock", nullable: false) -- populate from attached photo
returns 6:13
